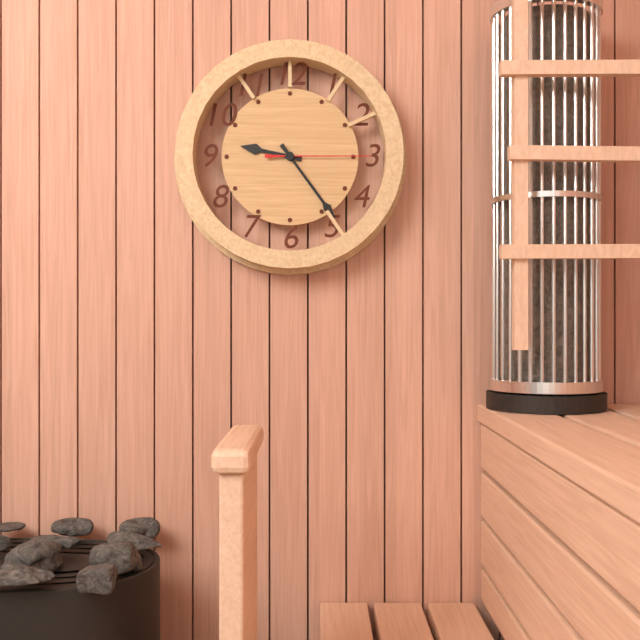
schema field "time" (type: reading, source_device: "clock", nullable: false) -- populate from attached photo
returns 9:24:15
